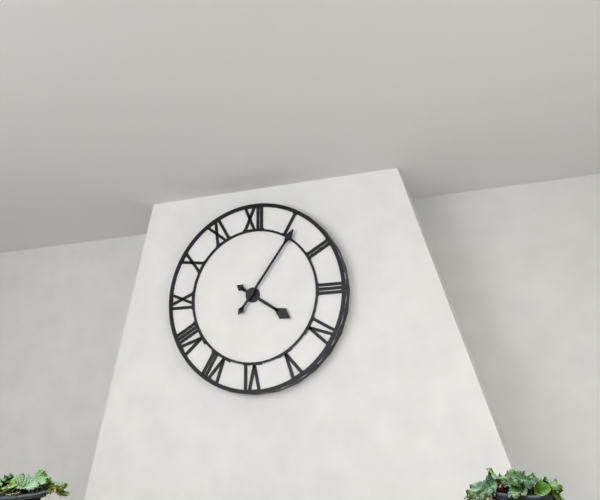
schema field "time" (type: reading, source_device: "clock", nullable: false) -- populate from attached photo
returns 4:06
